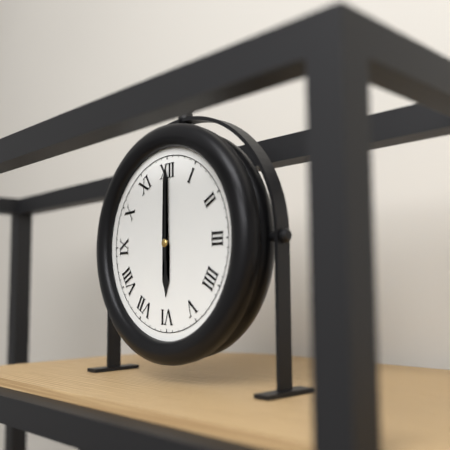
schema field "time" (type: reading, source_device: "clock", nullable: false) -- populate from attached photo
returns 6:00
